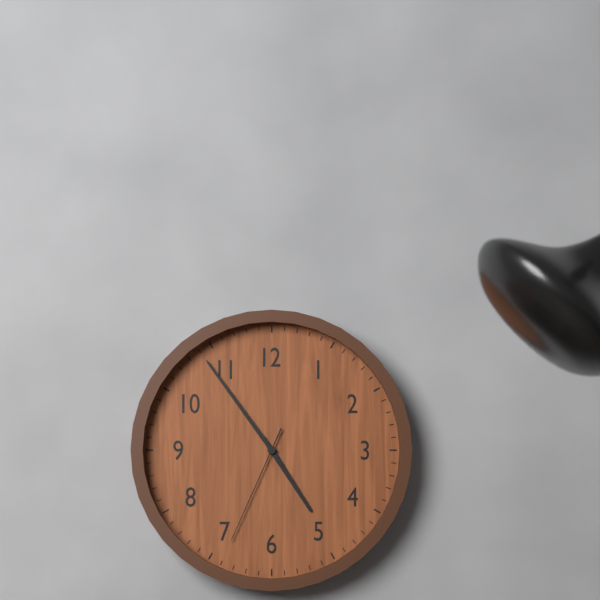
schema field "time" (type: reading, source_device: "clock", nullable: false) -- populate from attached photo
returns 4:54:34
